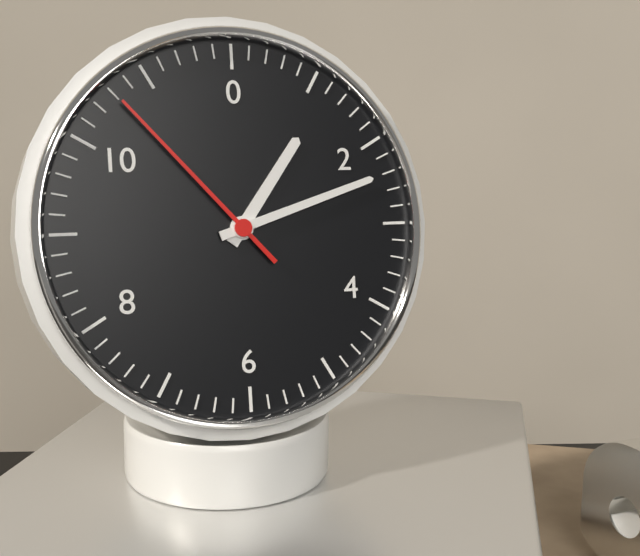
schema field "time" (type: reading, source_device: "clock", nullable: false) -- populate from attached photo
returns 1:12:53
